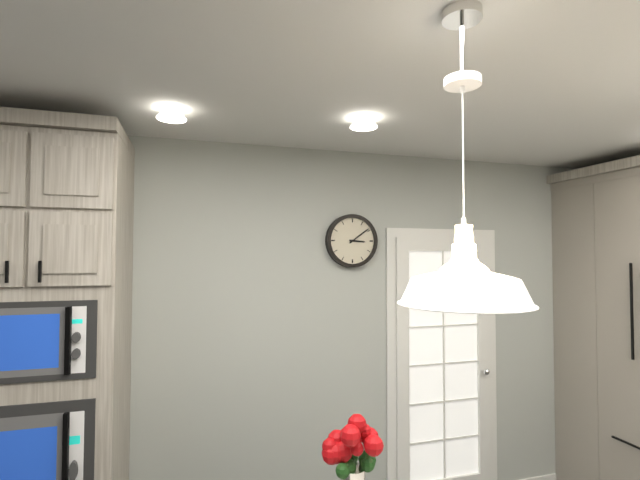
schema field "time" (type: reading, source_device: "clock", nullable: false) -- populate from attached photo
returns 3:09
